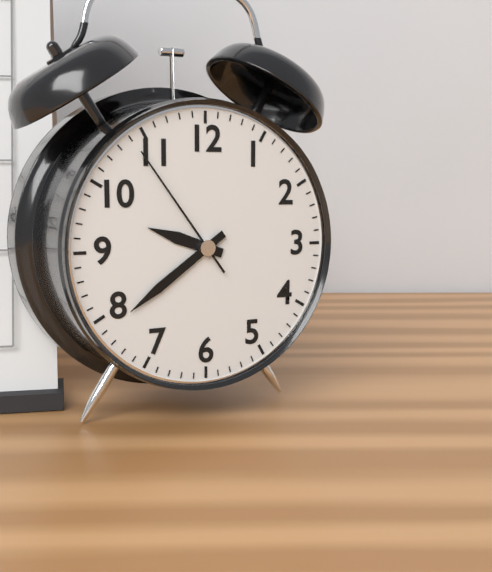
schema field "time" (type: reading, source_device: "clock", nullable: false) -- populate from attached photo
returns 9:39:54
